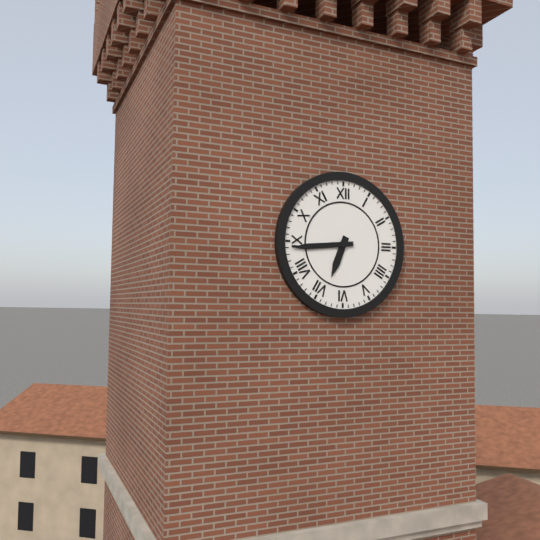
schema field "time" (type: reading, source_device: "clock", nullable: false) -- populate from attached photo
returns 6:44
